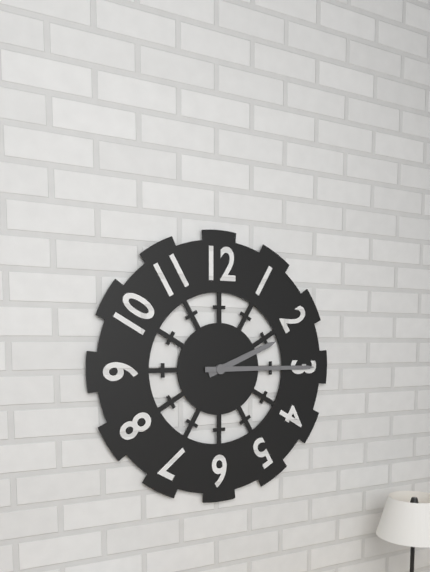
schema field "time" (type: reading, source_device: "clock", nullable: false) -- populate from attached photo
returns 2:15
